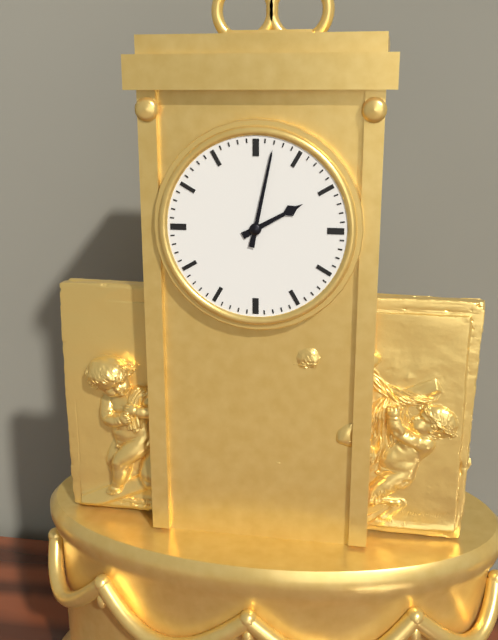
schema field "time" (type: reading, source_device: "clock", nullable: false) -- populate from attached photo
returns 2:02
